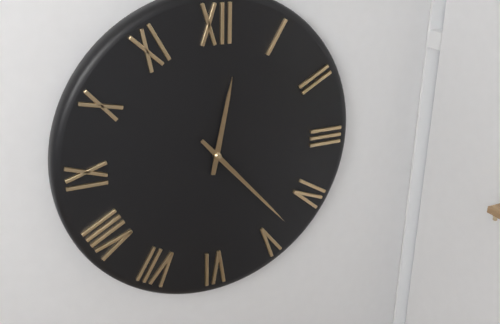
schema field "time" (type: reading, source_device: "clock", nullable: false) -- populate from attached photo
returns 12:23
